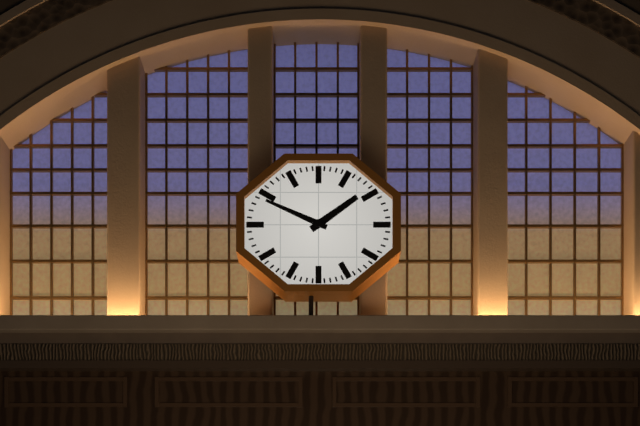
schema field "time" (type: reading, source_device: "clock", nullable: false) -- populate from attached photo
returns 1:49
